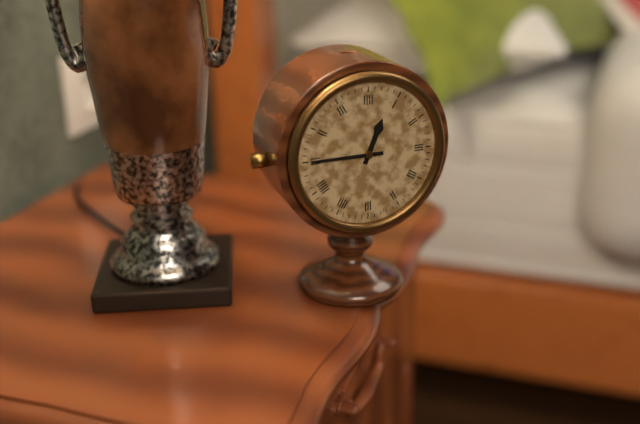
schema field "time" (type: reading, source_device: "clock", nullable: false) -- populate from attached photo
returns 12:45
